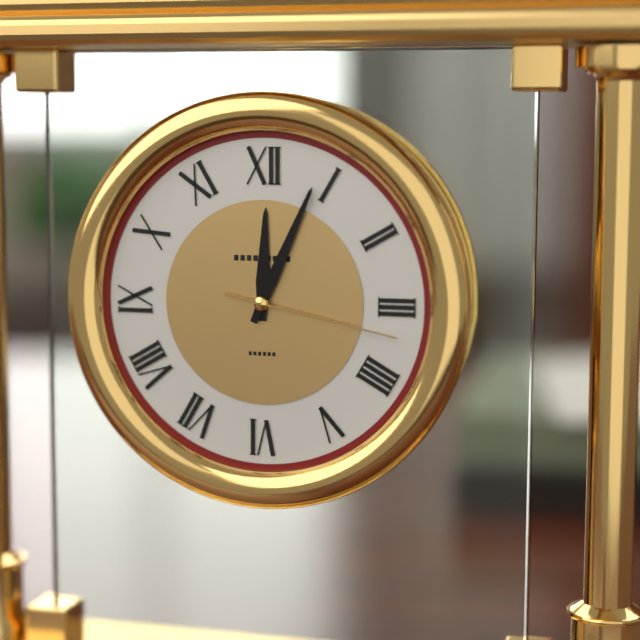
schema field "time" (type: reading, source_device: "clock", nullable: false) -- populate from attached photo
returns 12:04:17
